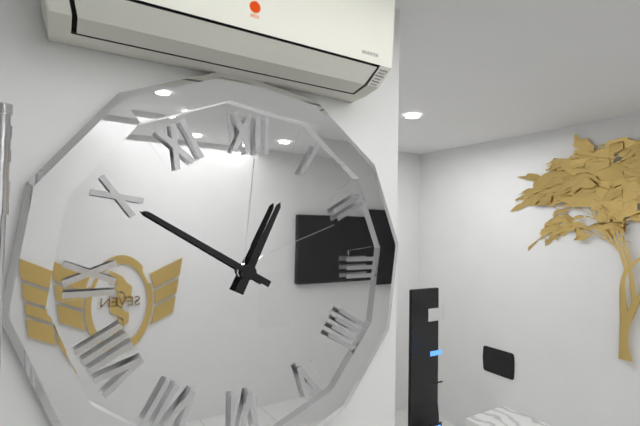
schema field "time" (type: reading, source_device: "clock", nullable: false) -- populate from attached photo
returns 12:50
